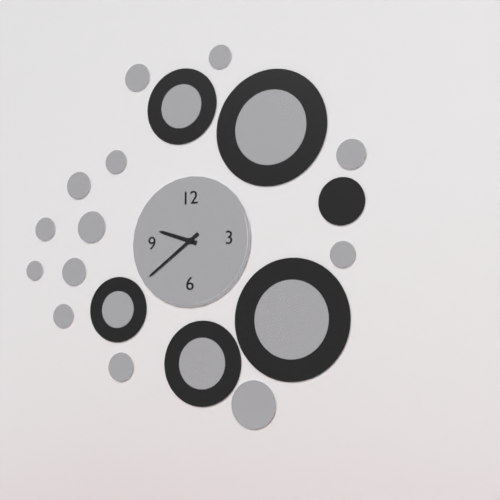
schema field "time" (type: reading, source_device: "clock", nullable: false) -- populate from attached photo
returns 9:39
